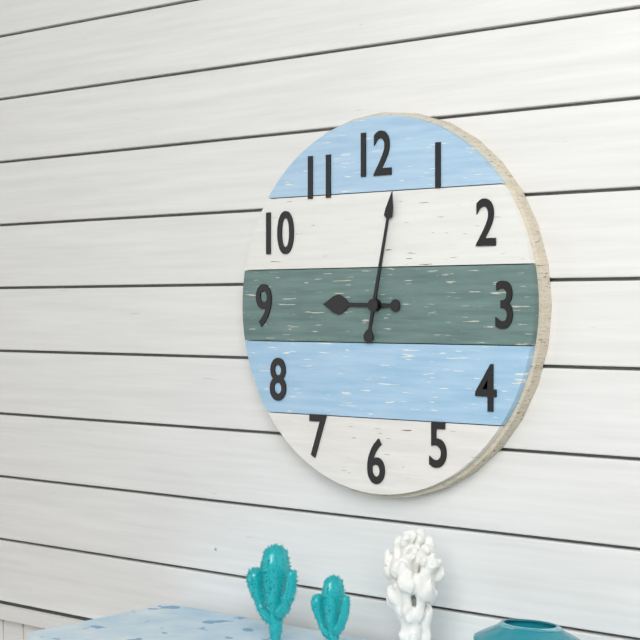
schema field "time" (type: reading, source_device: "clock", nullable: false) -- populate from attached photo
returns 9:02
